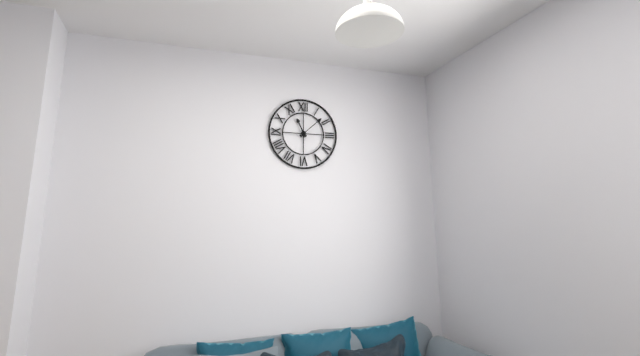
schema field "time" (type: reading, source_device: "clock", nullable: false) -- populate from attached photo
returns 11:08
